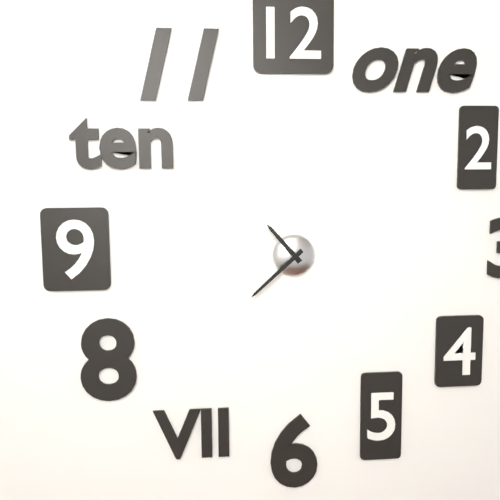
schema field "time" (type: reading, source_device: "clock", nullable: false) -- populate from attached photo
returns 10:38
